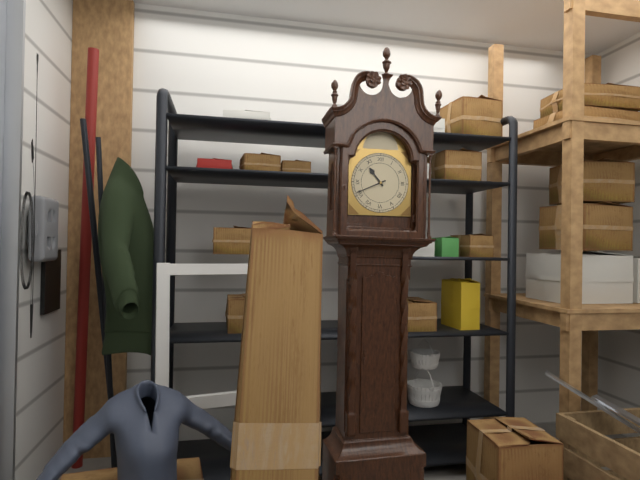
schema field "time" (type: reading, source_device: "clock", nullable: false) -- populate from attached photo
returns 10:41
